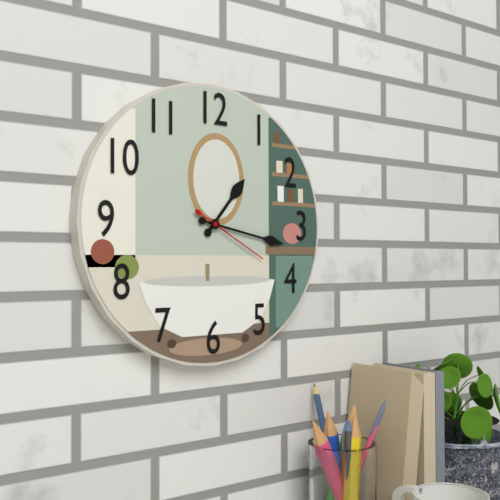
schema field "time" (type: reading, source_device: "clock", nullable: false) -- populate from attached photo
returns 1:17:20
